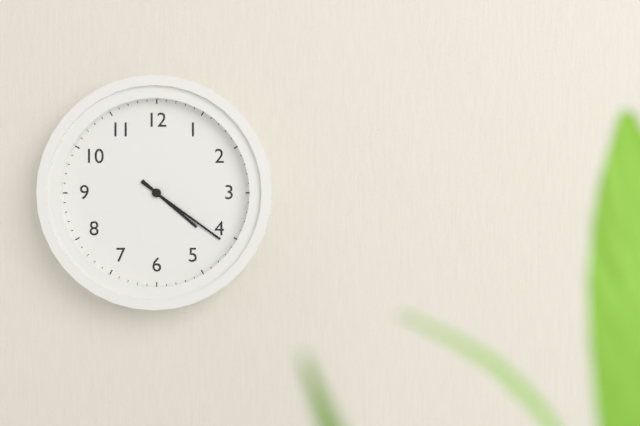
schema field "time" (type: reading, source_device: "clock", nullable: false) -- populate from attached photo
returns 4:21:21
